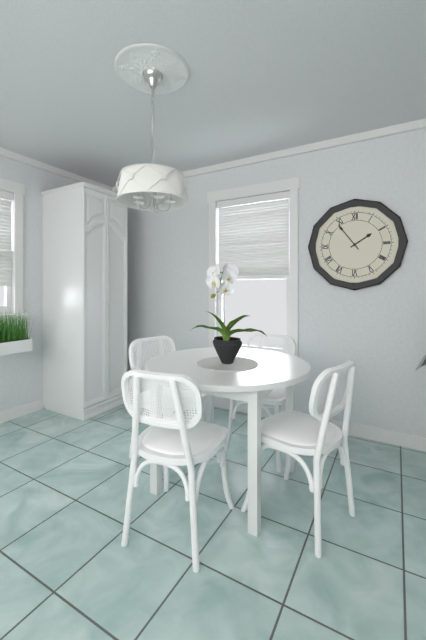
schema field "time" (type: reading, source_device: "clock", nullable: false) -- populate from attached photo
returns 1:54
